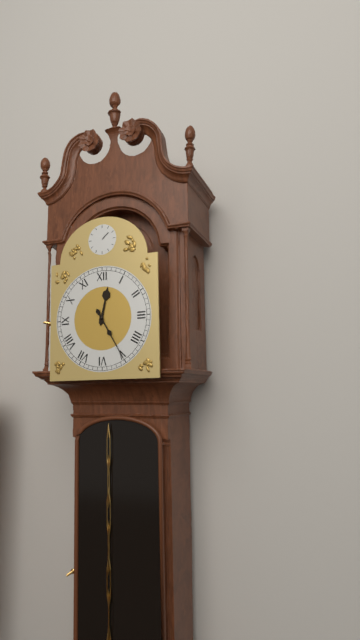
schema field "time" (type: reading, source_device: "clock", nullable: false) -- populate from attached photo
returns 12:25
